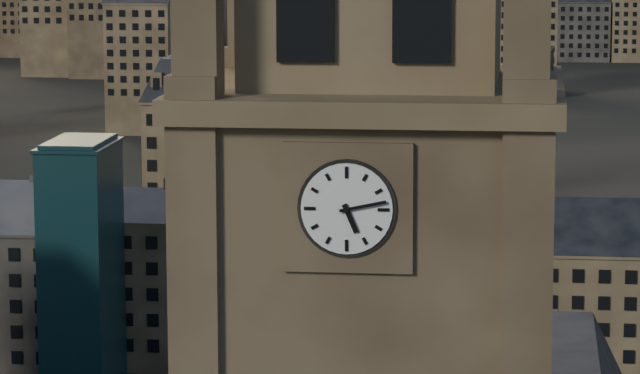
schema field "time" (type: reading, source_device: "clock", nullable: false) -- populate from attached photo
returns 5:13
